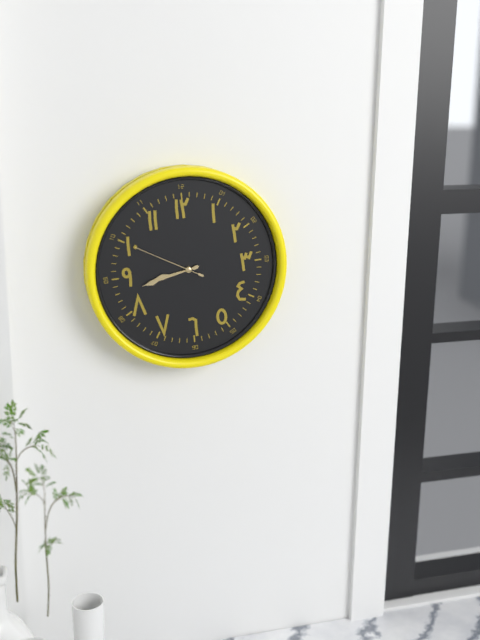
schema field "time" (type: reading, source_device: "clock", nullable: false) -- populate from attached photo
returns 8:43:50
